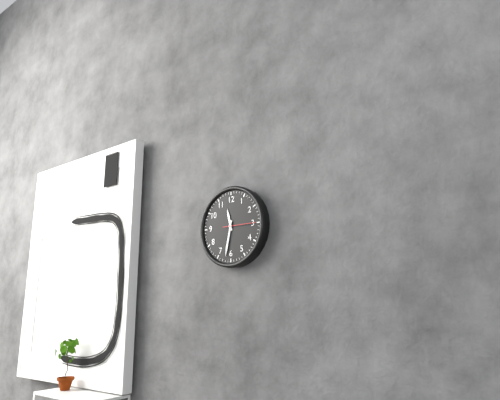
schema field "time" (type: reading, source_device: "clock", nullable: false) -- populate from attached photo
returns 11:32
